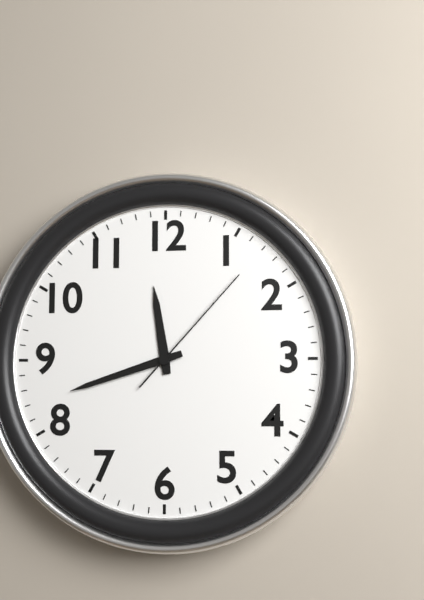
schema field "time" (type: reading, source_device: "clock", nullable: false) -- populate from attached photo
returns 11:42:07
